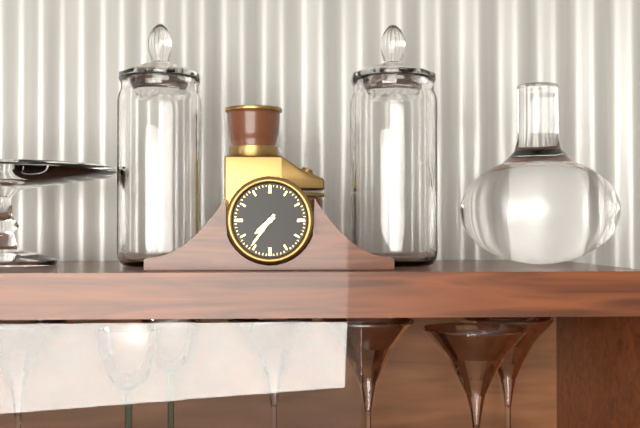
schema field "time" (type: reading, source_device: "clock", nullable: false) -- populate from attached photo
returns 7:36
